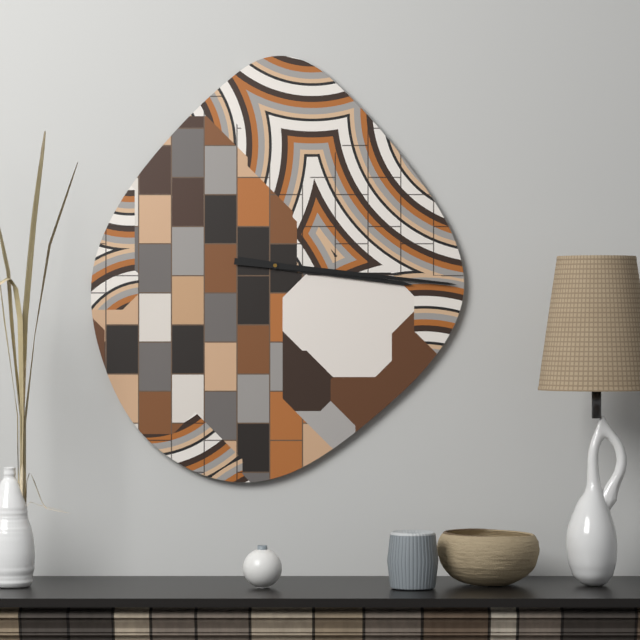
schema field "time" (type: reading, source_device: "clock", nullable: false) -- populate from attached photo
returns 3:16
